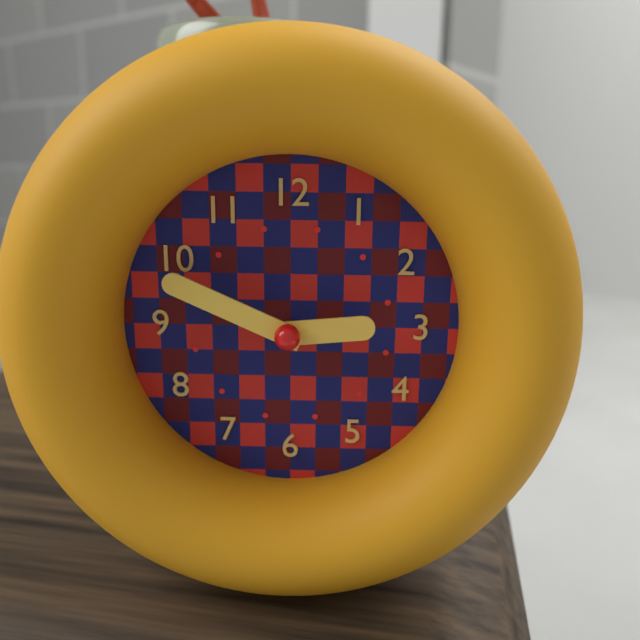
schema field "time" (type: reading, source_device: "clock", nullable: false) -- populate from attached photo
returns 2:49
